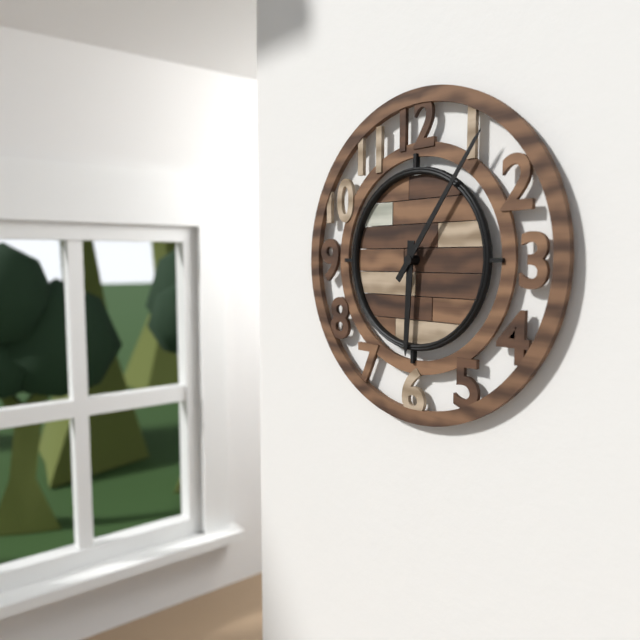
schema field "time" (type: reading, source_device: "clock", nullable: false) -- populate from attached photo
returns 6:06
